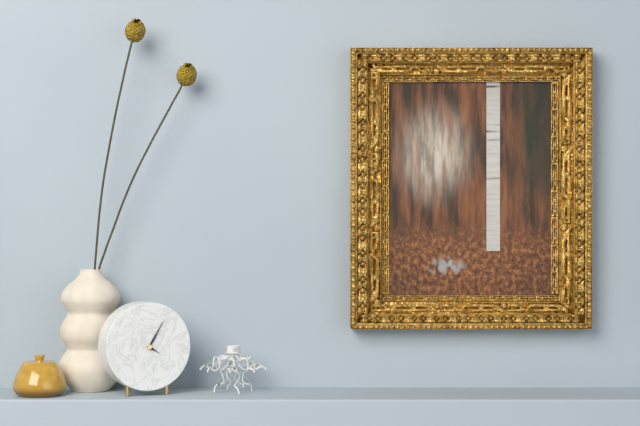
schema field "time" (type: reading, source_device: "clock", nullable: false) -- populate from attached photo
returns 4:05
